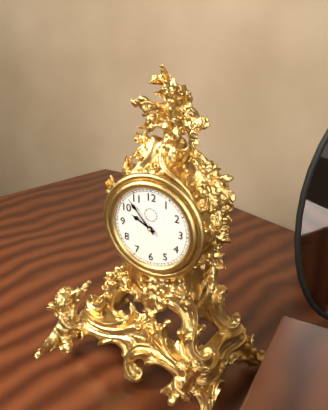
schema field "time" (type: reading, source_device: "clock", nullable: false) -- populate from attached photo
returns 9:53
